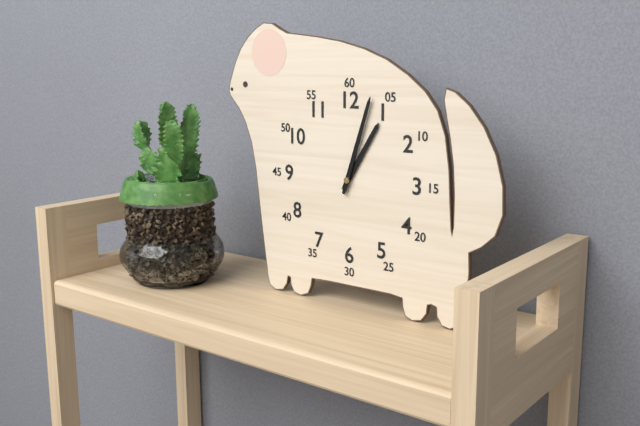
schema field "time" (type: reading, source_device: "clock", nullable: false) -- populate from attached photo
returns 1:03
